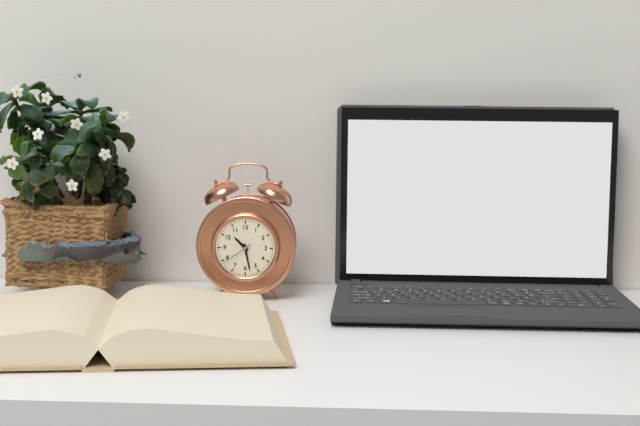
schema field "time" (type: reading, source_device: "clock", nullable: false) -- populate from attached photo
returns 10:28
